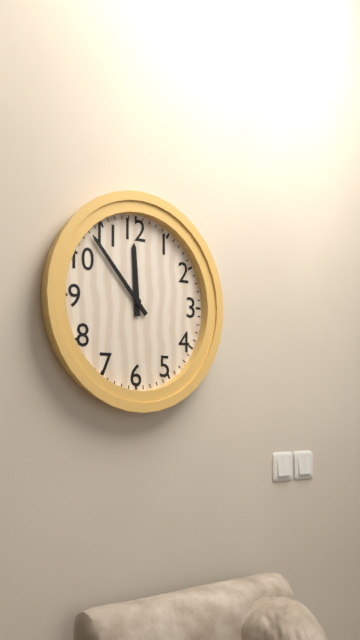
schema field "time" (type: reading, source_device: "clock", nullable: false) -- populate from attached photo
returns 11:53
